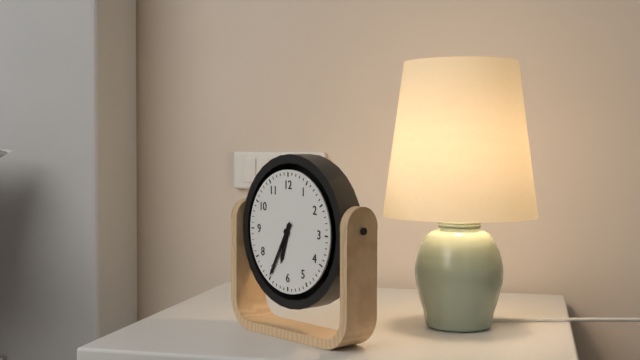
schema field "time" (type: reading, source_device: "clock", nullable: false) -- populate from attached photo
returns 6:35
